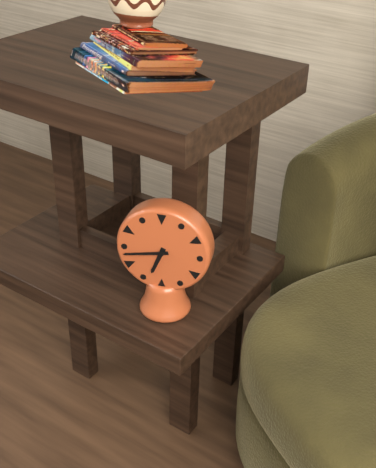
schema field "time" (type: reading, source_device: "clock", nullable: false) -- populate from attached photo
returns 6:43
